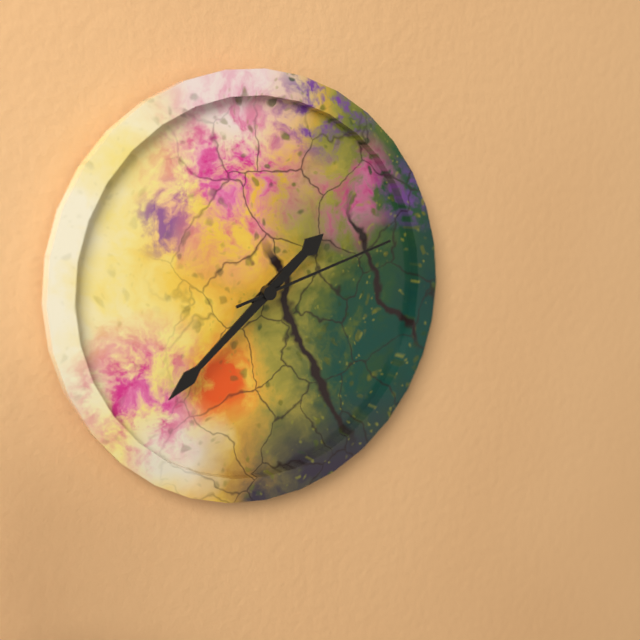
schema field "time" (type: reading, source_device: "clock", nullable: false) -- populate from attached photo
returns 1:38:12
